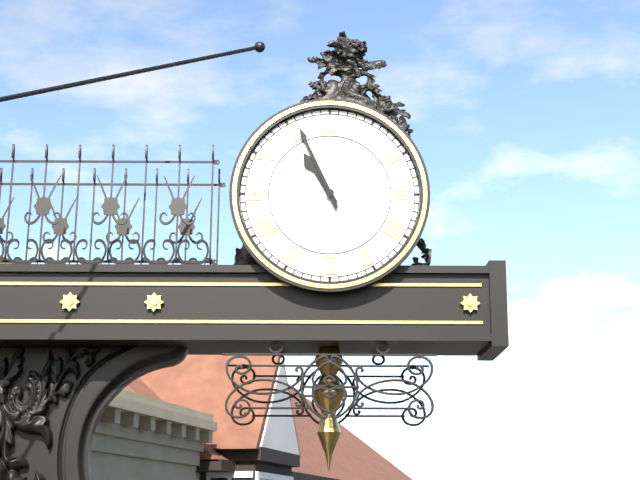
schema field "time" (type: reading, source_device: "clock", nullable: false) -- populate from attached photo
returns 10:56
